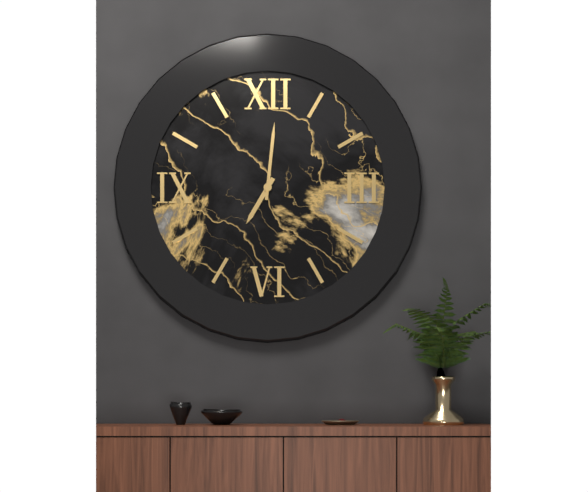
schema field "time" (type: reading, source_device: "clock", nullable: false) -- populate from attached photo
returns 7:01
